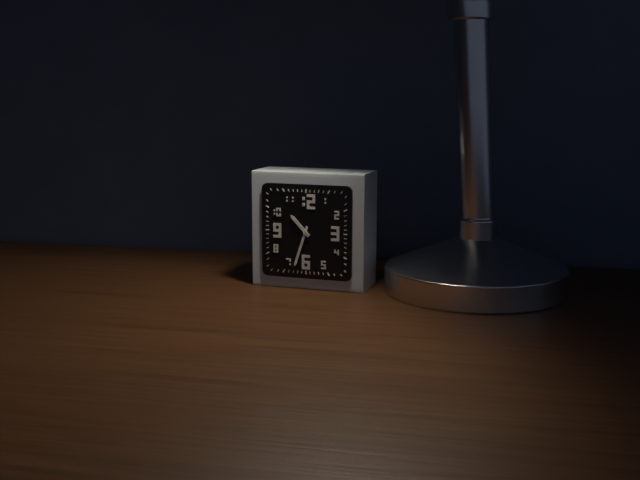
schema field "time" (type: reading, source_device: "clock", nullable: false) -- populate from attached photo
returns 10:33
